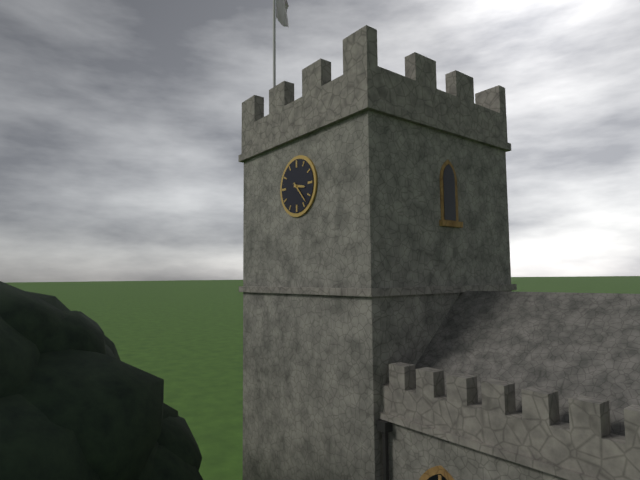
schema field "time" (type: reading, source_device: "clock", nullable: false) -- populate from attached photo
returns 3:23
